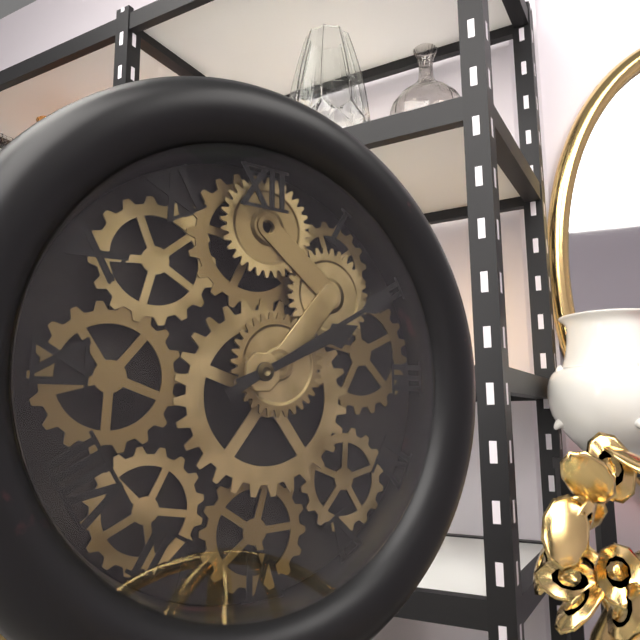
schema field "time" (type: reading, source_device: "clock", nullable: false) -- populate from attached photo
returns 2:10
